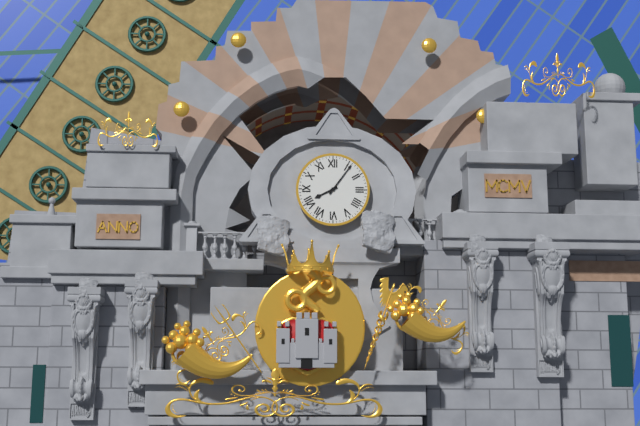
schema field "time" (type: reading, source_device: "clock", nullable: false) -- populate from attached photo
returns 8:06
